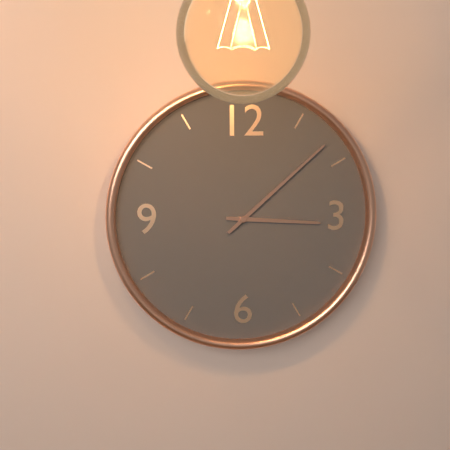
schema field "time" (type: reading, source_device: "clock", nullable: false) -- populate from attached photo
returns 3:08
